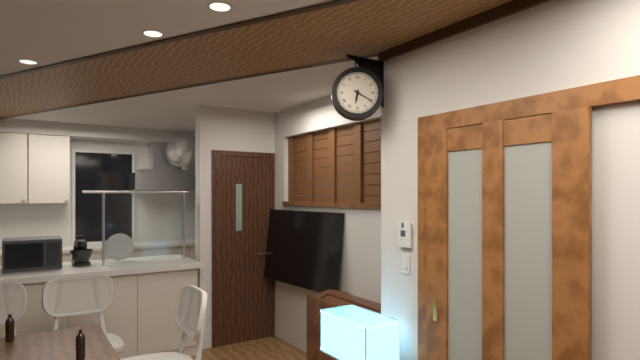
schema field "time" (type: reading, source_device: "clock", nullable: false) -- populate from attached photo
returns 6:20
